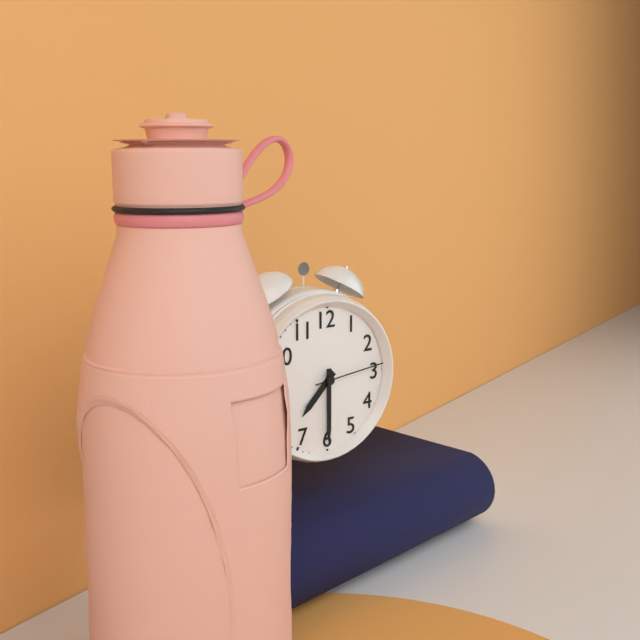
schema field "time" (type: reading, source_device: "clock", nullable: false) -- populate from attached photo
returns 7:30:14
